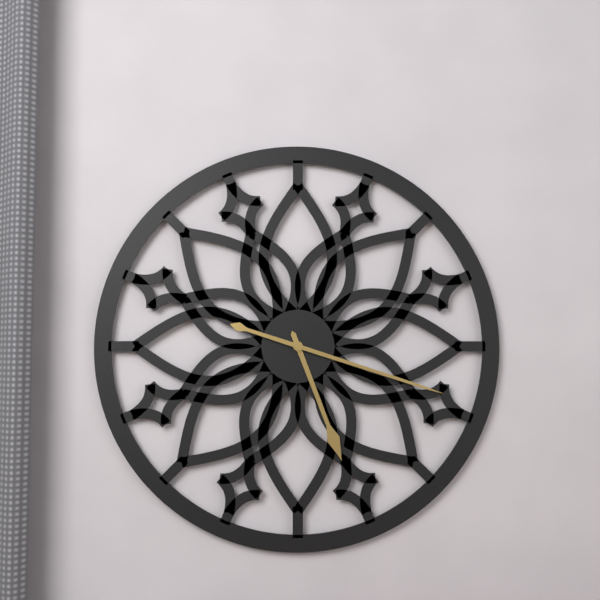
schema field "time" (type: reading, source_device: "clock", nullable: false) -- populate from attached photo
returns 5:18
